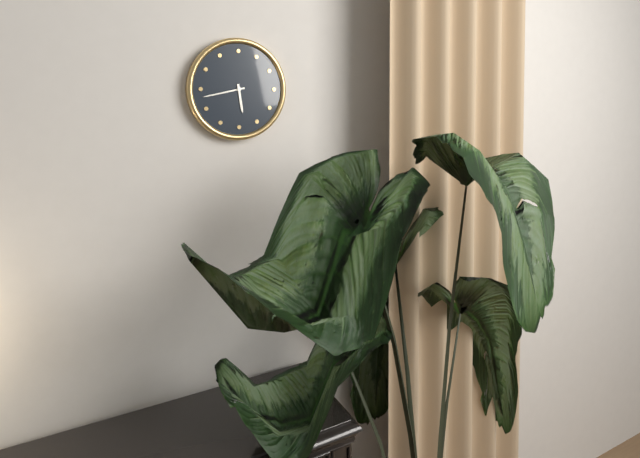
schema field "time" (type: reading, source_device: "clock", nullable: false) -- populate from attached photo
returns 5:43
